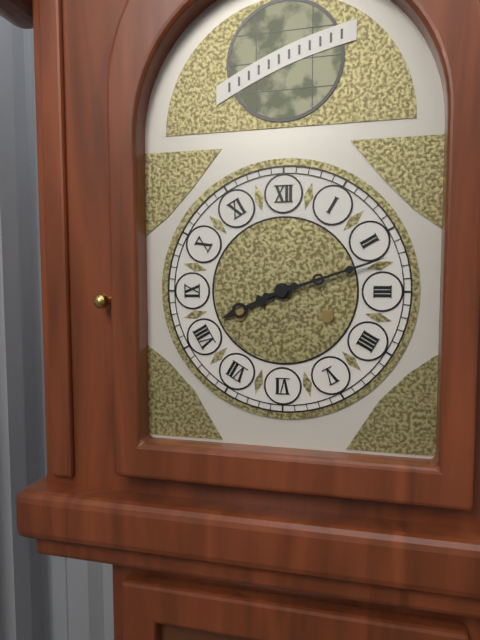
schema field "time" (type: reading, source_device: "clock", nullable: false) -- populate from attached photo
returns 8:12
